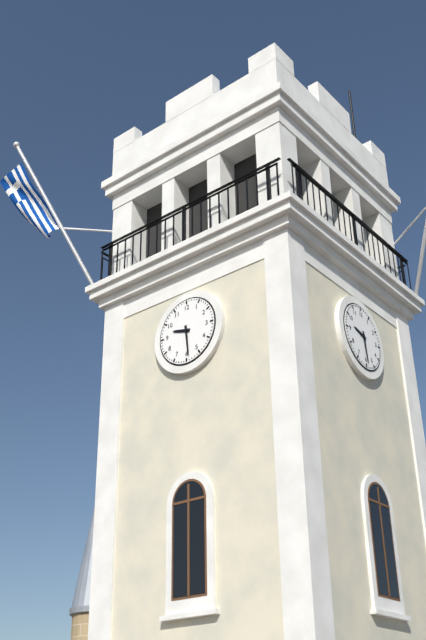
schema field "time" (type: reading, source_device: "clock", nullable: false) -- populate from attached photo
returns 9:29
